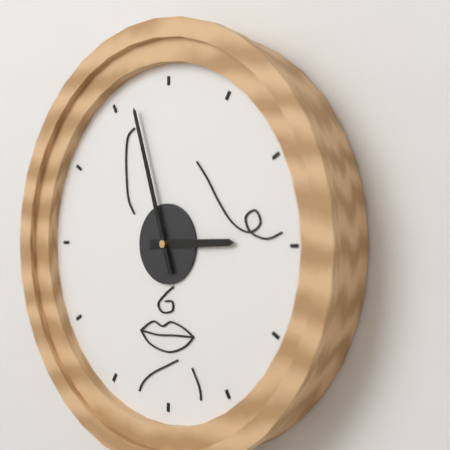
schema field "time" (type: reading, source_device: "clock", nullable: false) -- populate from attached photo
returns 2:57
